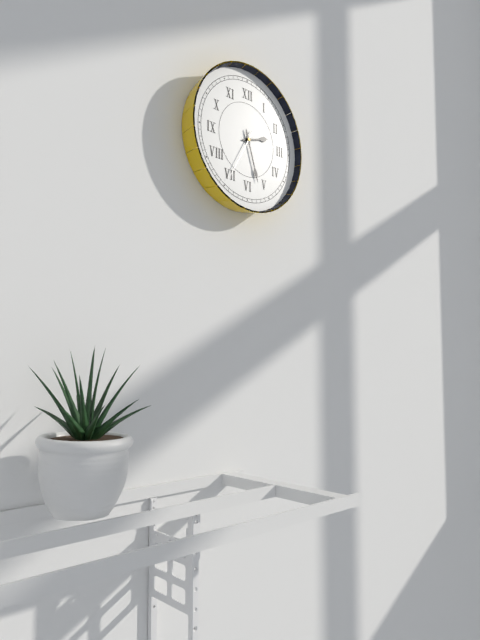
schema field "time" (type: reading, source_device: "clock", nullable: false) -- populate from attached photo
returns 2:27:35
